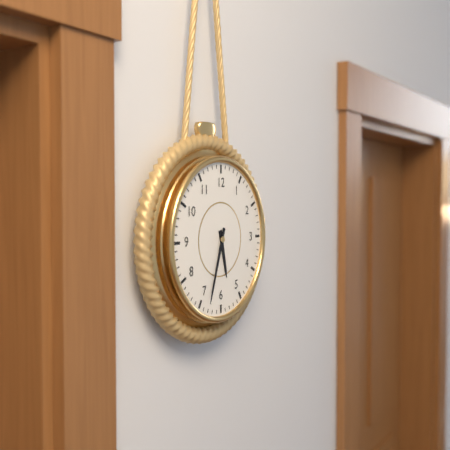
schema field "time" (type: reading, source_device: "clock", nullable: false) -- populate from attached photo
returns 5:33
